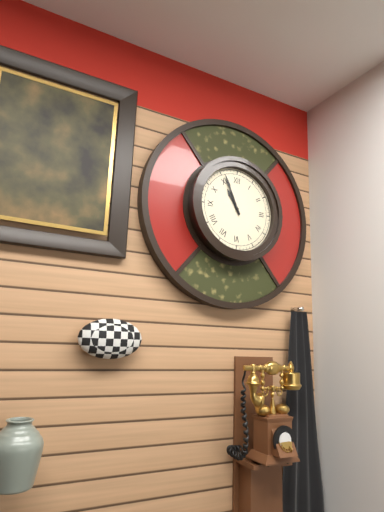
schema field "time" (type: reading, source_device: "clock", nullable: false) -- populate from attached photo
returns 10:56
